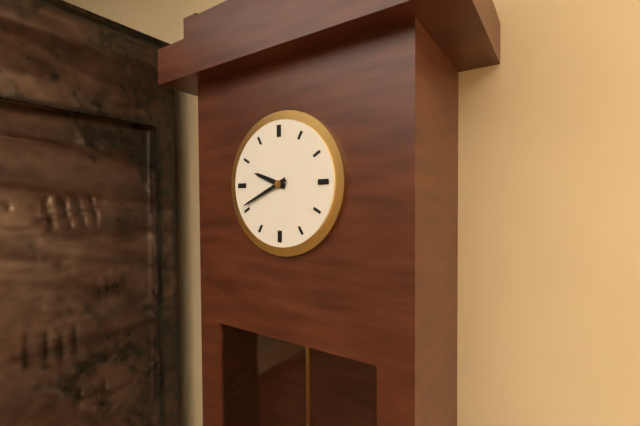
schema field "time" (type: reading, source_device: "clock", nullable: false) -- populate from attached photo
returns 9:41
